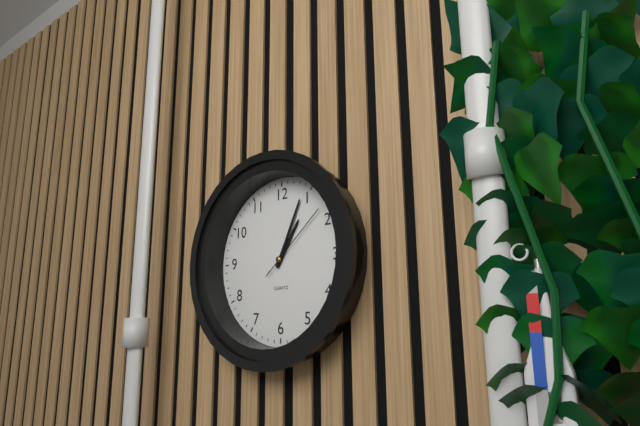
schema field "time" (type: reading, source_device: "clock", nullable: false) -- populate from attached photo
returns 1:04:08
